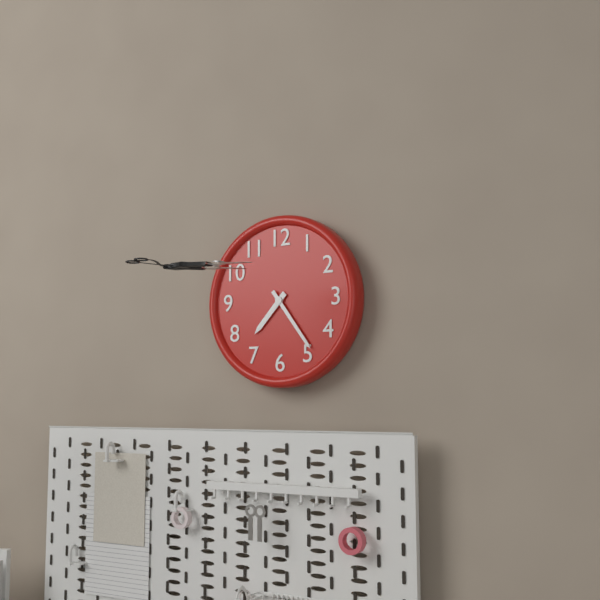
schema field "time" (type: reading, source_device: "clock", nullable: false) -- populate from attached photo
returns 7:24
